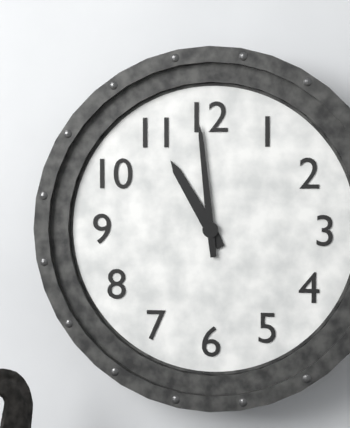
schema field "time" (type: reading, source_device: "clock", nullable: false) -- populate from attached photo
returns 10:59
